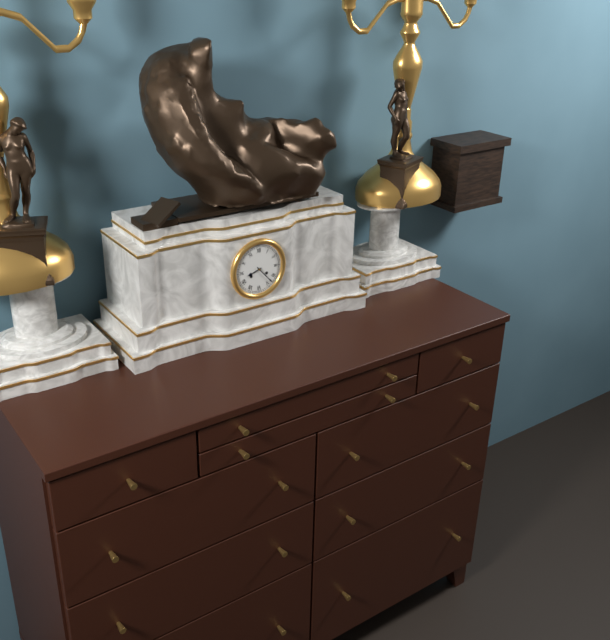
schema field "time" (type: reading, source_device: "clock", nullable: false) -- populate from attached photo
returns 8:23
